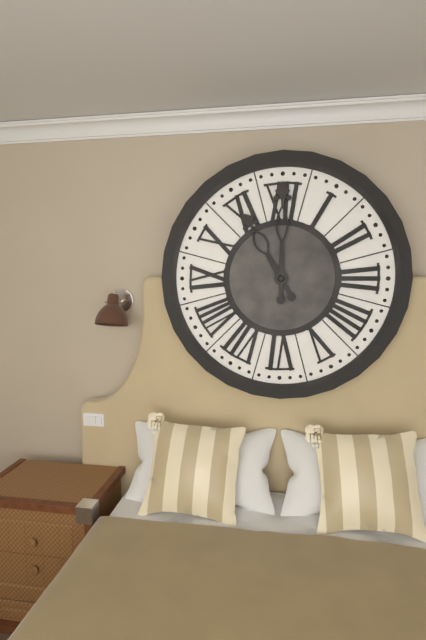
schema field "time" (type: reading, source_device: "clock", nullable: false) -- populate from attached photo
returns 11:00
